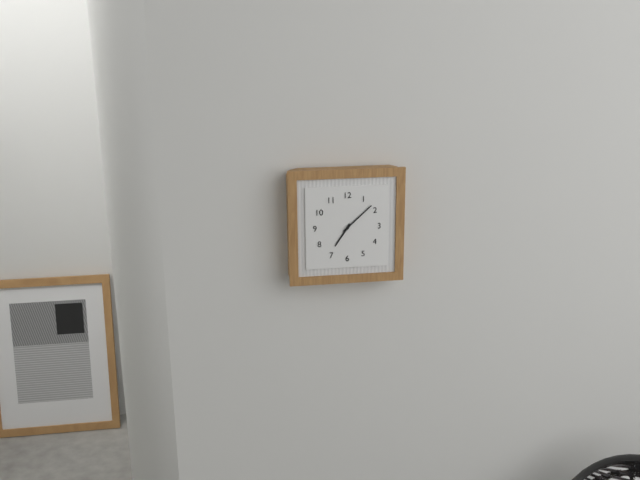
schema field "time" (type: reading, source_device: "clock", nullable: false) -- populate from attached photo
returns 7:08
